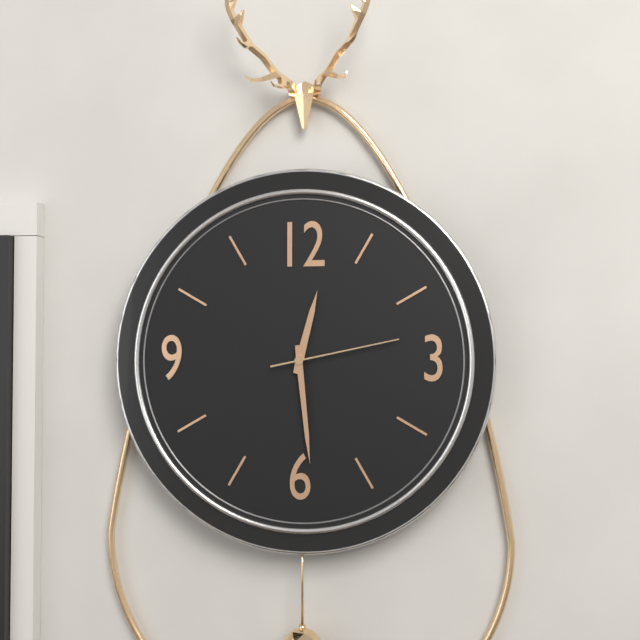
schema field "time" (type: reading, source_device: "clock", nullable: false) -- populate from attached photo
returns 12:29:13
